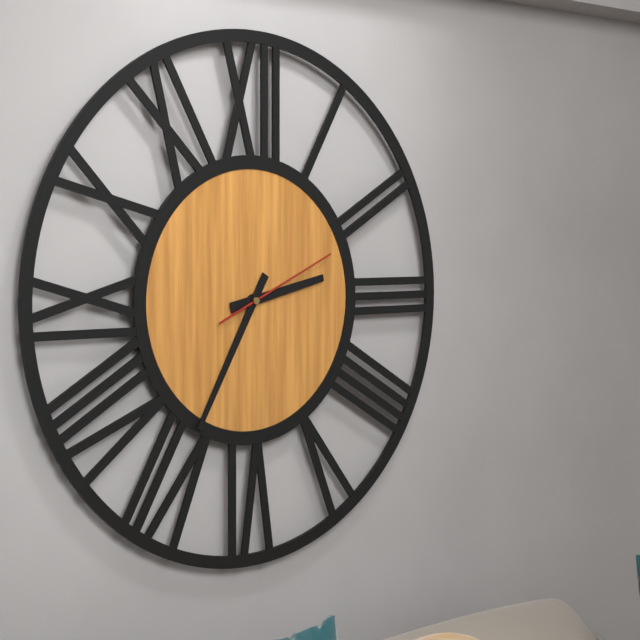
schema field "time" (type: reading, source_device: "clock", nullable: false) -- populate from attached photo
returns 2:35:11
